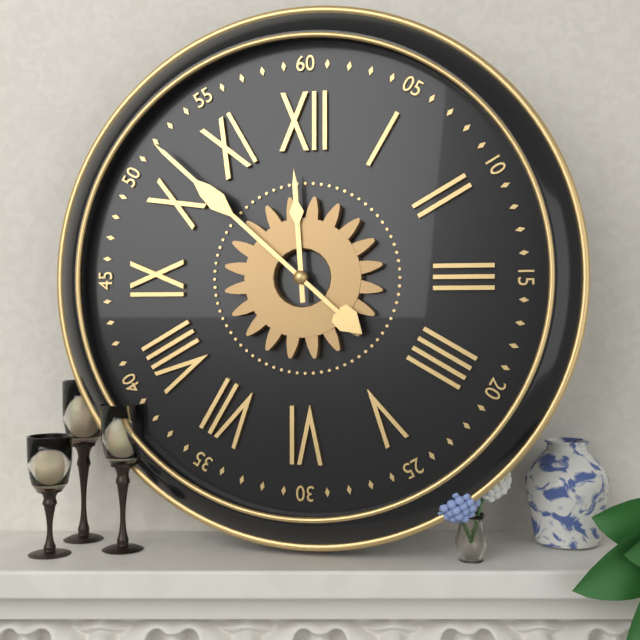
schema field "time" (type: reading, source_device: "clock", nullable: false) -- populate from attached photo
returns 11:52
